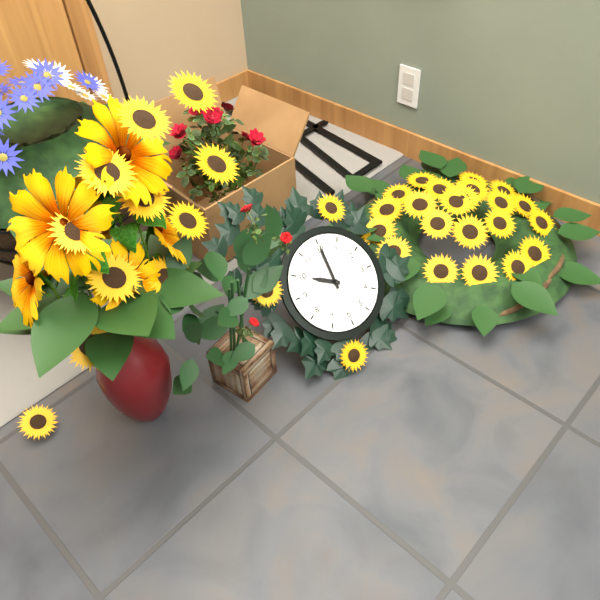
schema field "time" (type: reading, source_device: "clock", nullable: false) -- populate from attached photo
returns 10:00
